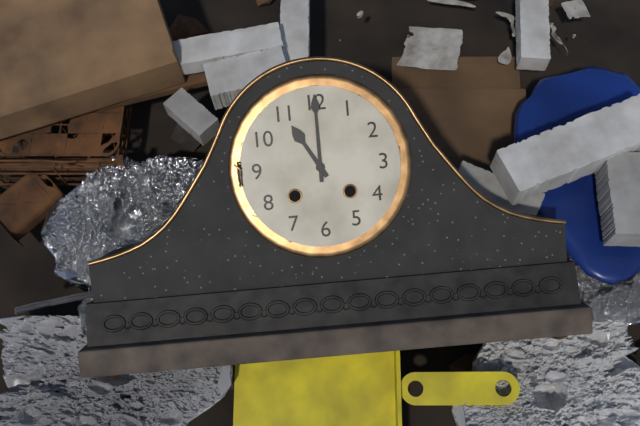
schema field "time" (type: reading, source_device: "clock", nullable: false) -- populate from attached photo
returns 11:00
